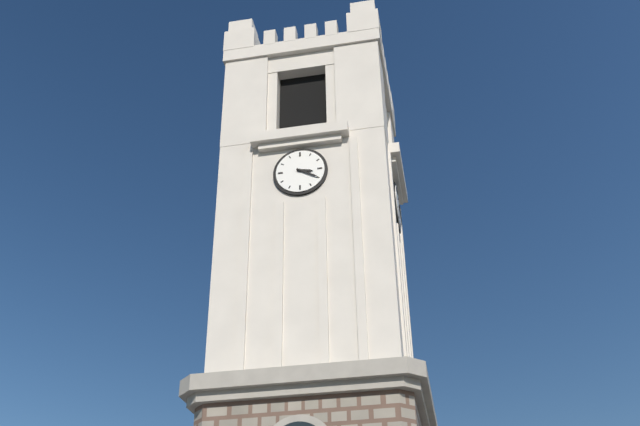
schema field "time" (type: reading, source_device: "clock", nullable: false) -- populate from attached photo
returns 3:20
